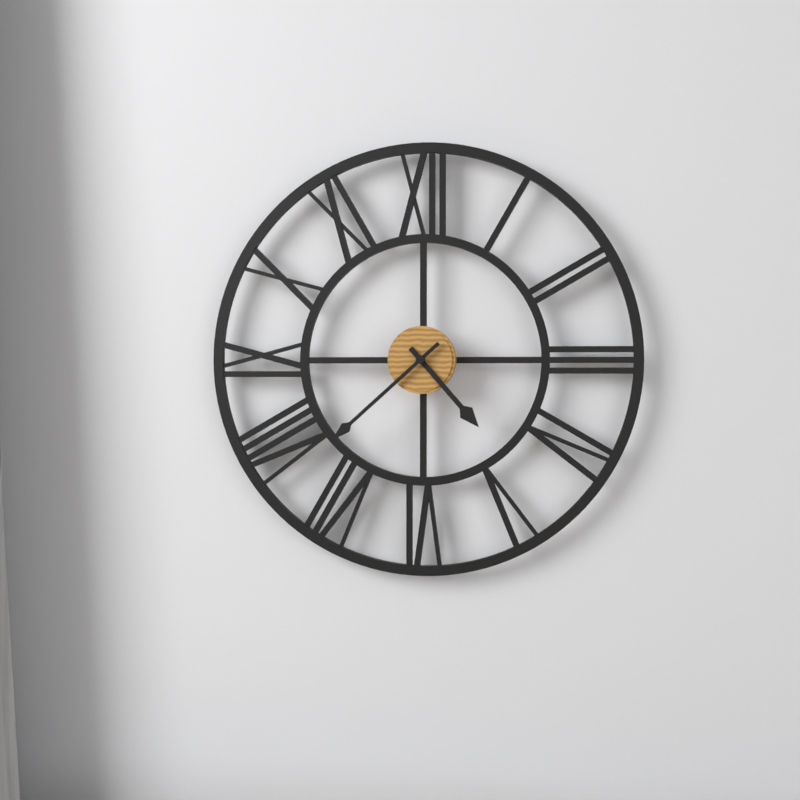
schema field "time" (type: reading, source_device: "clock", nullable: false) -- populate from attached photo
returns 4:38
